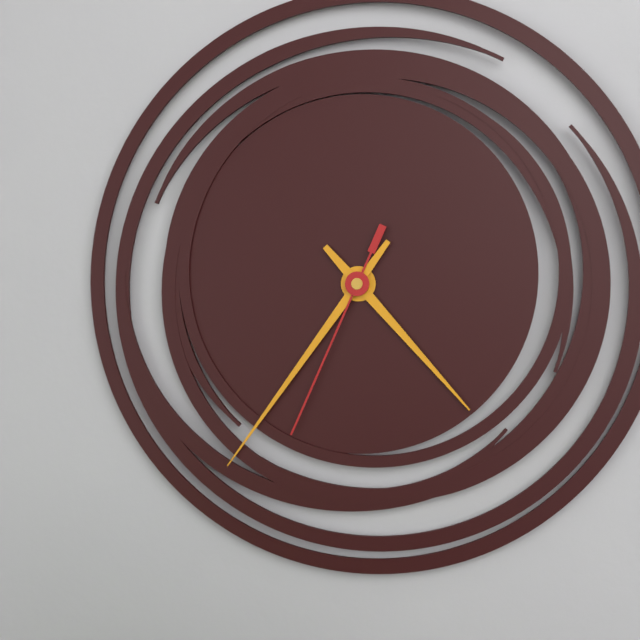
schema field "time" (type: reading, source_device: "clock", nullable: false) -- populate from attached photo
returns 4:36:34
